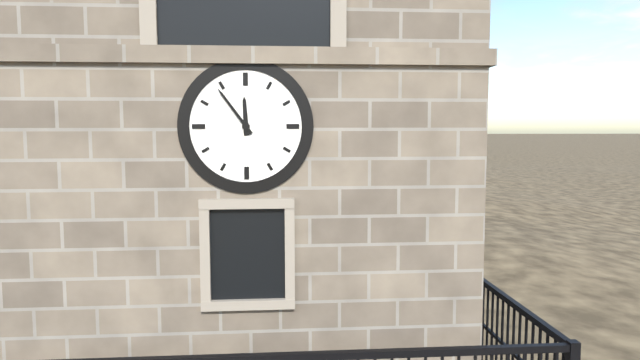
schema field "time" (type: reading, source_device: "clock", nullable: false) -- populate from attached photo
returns 11:54
